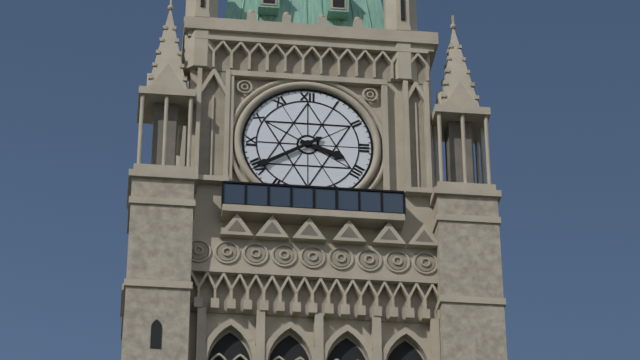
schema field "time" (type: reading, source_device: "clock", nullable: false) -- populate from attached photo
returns 3:40
